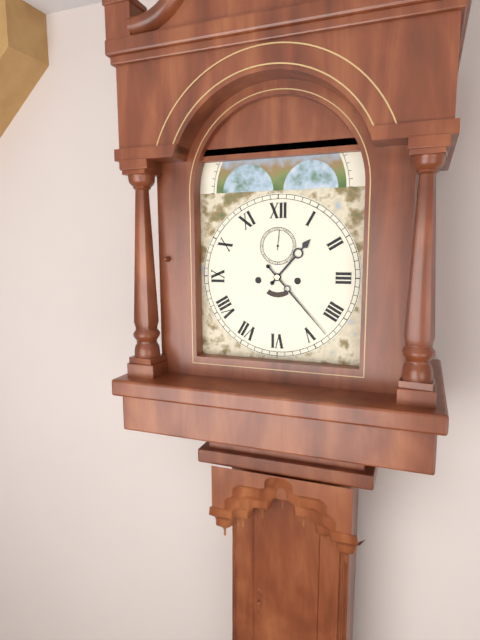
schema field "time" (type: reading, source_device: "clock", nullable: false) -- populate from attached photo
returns 1:23
